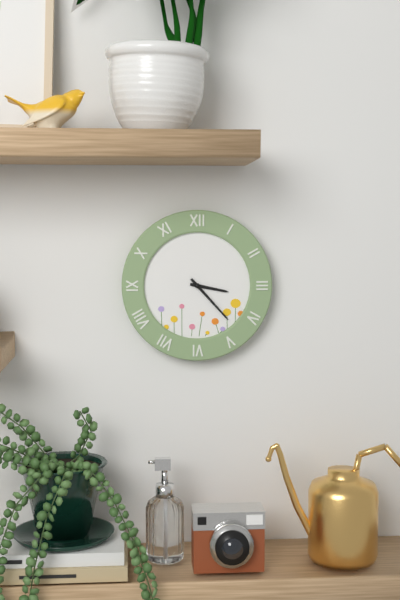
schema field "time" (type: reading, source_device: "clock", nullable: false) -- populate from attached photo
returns 3:23
